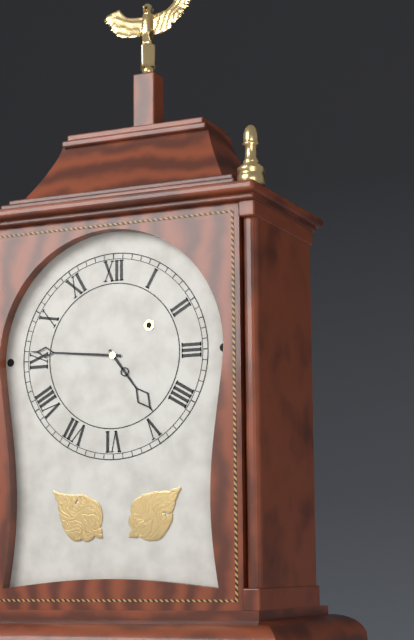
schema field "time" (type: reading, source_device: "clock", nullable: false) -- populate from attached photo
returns 4:46
